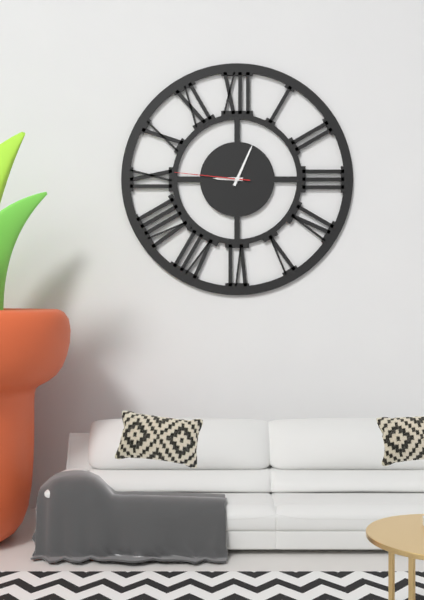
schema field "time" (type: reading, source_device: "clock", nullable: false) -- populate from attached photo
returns 9:04:46
